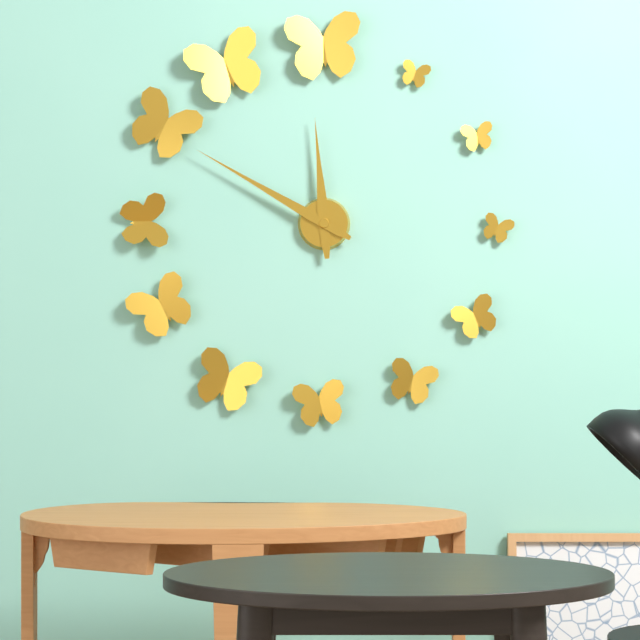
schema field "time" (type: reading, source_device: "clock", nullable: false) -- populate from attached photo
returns 11:50
